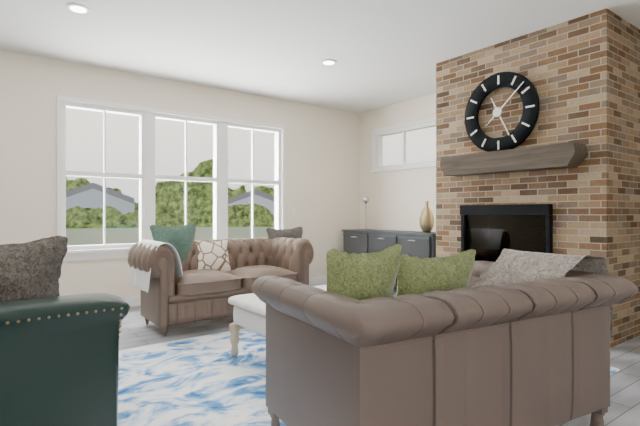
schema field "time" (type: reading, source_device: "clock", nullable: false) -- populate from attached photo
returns 5:08
